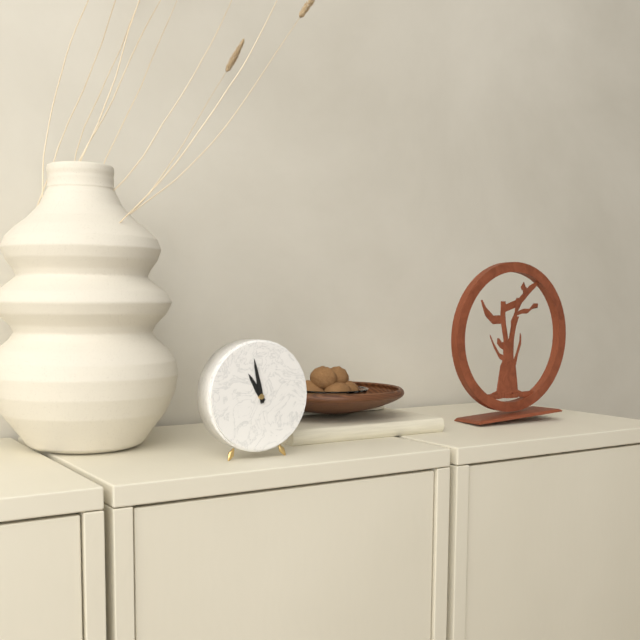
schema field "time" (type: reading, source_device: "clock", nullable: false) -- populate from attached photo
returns 10:58
